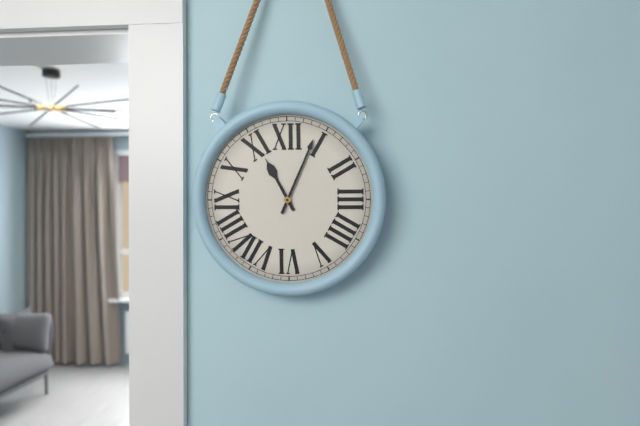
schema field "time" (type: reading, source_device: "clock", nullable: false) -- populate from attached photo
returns 11:04
